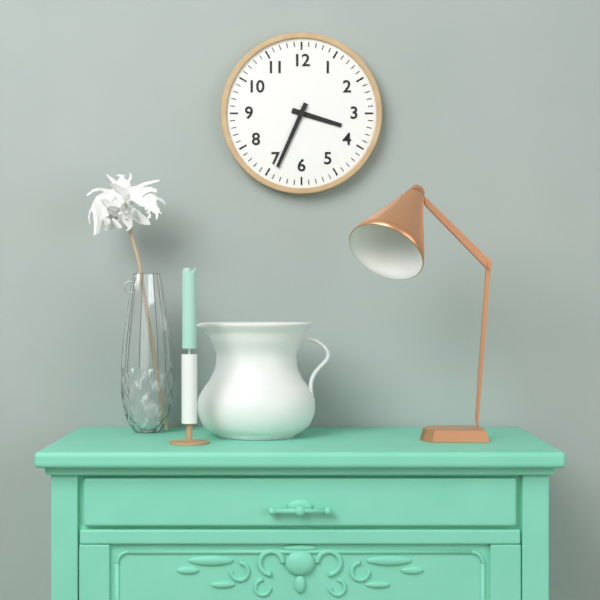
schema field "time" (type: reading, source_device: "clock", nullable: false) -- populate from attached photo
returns 3:34
